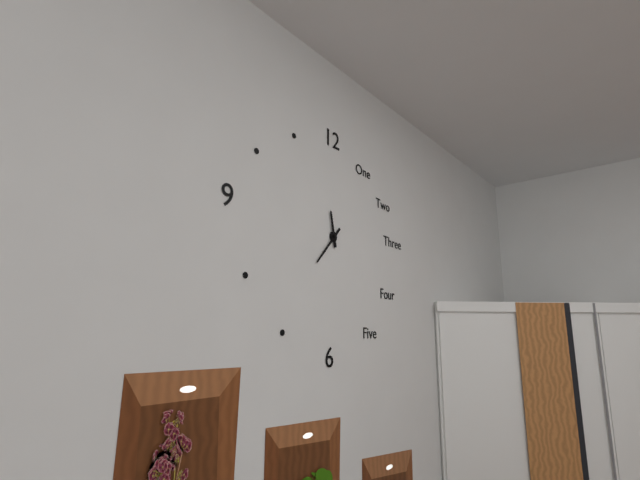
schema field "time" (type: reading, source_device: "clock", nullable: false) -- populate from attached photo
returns 11:37
